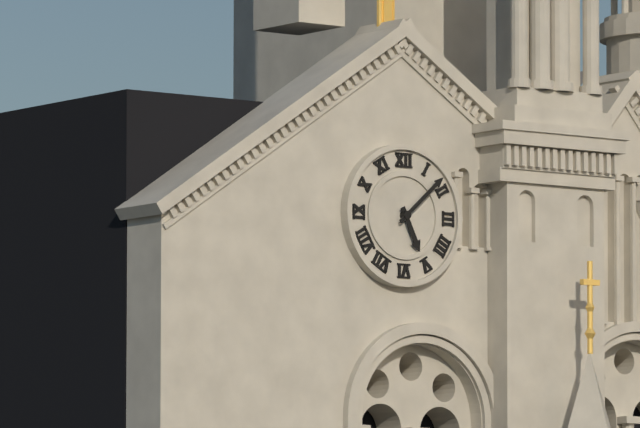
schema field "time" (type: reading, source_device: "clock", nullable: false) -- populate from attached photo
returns 5:08
